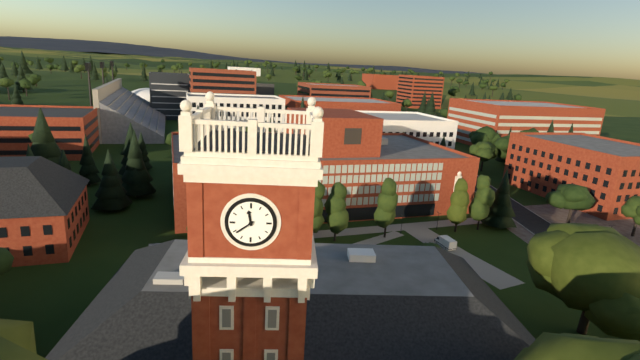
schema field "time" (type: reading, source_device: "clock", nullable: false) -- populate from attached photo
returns 11:39
